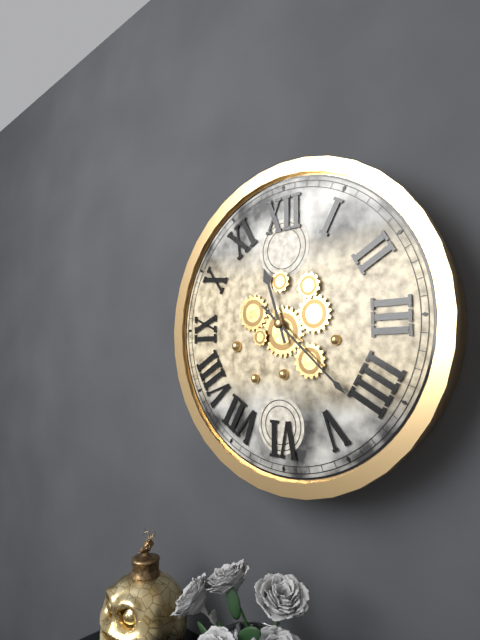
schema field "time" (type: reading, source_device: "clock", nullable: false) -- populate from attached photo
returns 11:22
